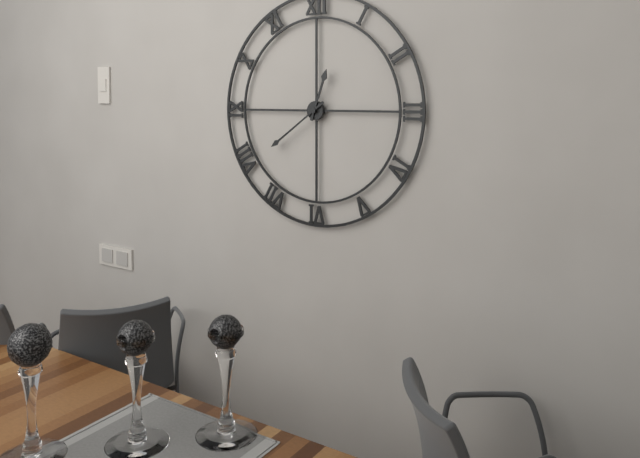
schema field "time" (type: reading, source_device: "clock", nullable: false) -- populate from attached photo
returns 12:39
